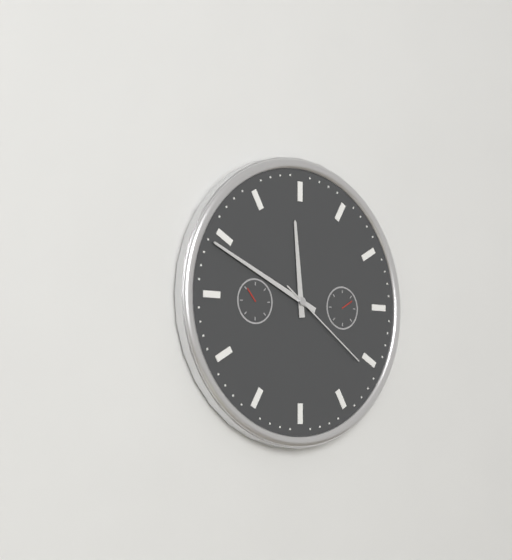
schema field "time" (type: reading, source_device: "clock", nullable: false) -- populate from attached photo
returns 11:49:21
